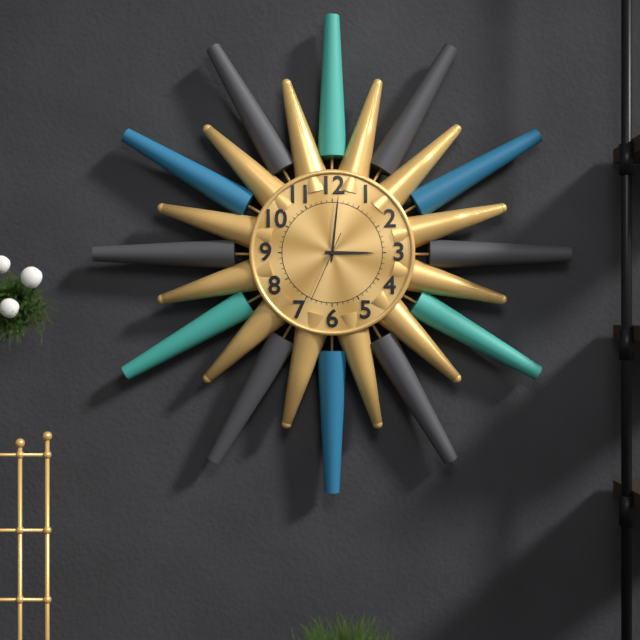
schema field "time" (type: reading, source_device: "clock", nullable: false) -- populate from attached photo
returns 3:01:34
